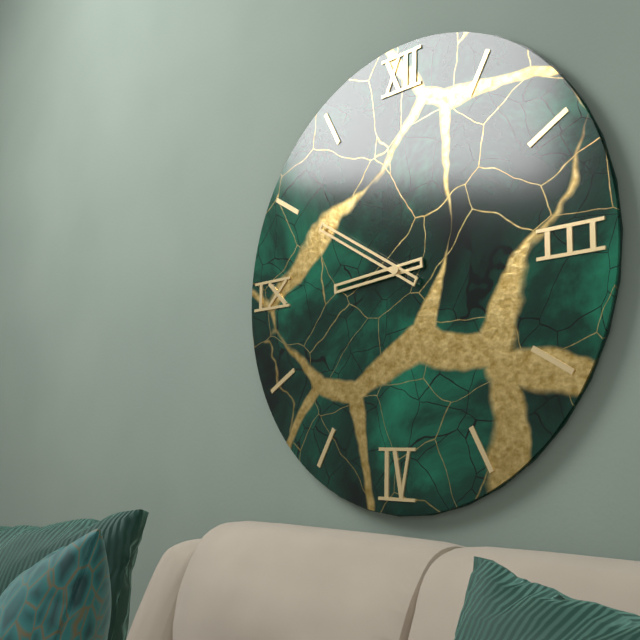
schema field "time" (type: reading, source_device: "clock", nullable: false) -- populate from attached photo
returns 8:50
